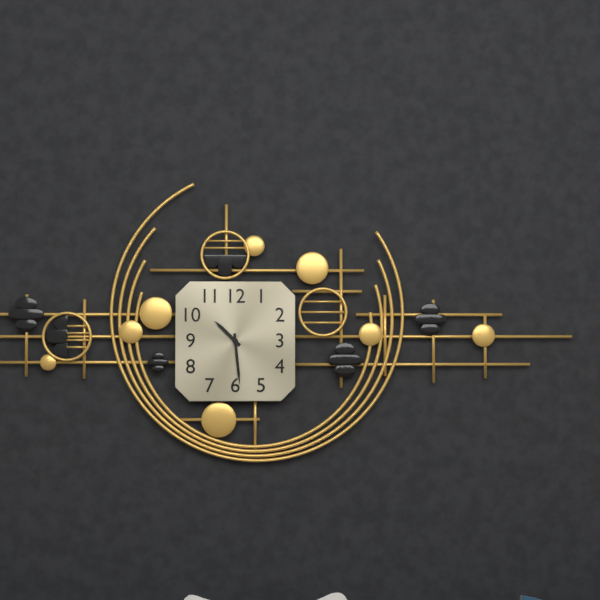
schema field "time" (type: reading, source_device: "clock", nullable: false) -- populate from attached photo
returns 10:29
